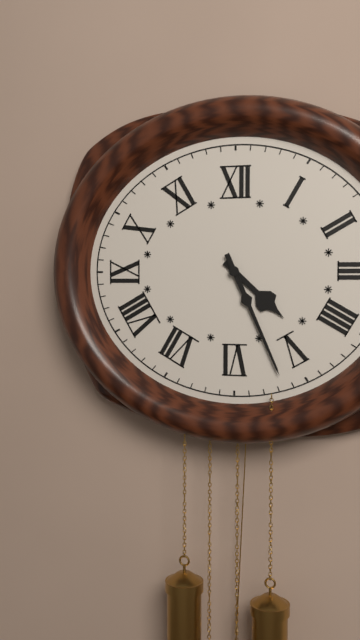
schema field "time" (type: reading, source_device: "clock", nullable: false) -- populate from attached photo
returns 4:26
